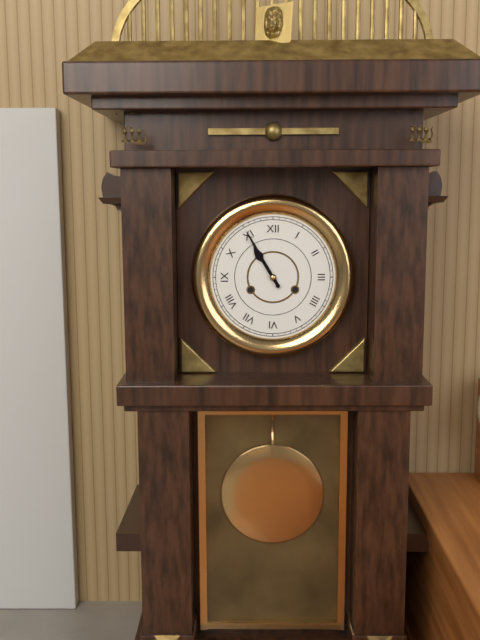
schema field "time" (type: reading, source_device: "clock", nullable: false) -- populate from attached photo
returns 10:55
